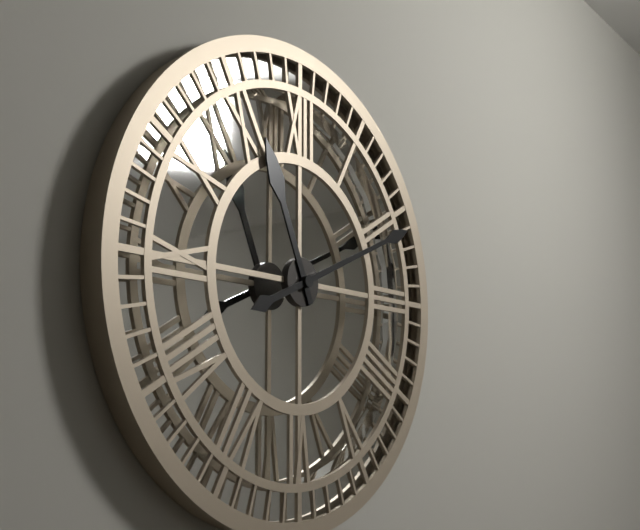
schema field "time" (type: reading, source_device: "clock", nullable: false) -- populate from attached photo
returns 11:11
